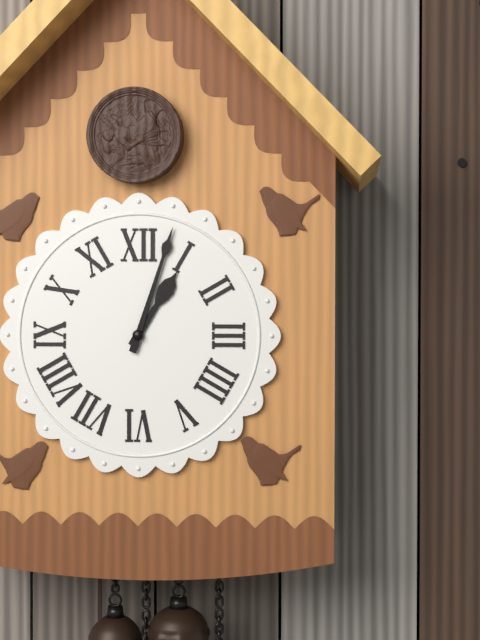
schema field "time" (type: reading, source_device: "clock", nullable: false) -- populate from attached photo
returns 1:03
